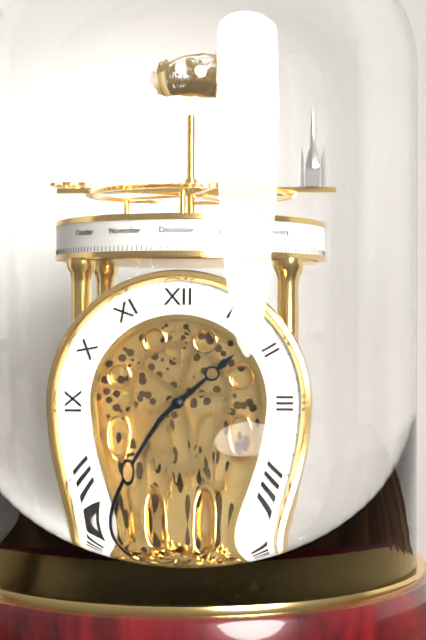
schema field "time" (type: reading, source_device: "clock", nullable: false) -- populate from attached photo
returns 1:38
